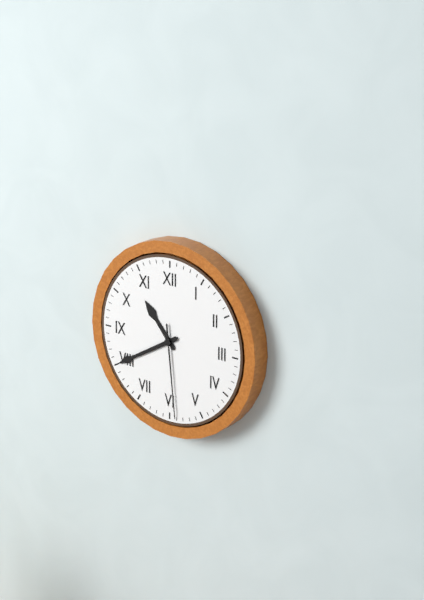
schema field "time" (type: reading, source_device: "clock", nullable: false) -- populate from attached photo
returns 10:40:29
